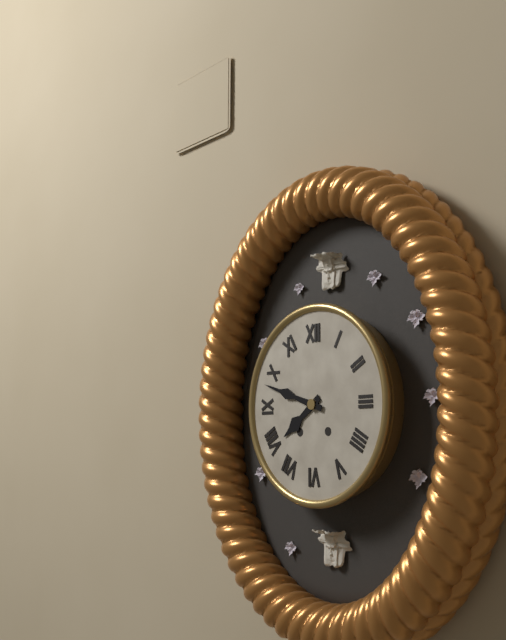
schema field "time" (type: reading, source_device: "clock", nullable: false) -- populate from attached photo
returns 7:48
